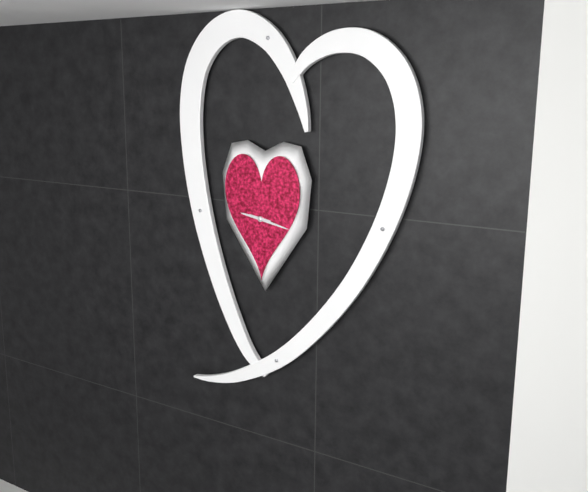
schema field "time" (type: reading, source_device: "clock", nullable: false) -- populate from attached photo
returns 9:17
